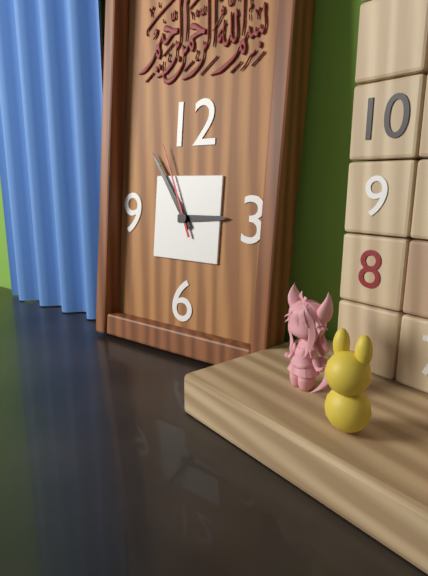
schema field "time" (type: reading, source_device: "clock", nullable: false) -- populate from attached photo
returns 2:54:56
